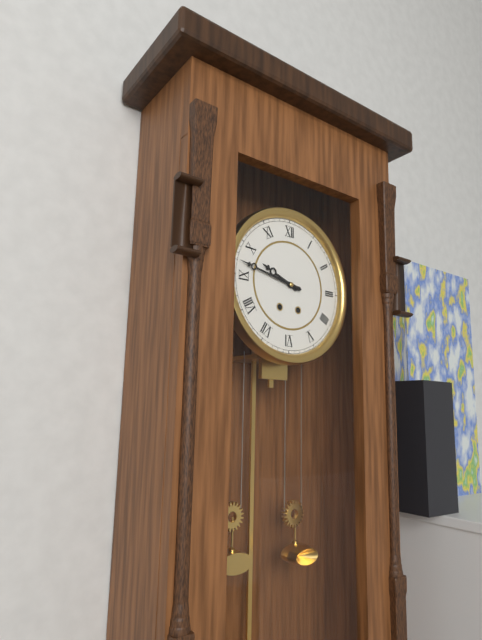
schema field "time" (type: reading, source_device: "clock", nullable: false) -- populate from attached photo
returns 9:47
